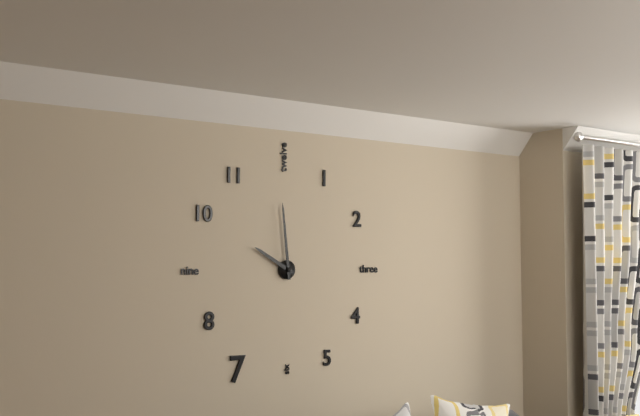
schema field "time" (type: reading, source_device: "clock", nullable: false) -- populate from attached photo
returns 9:59
